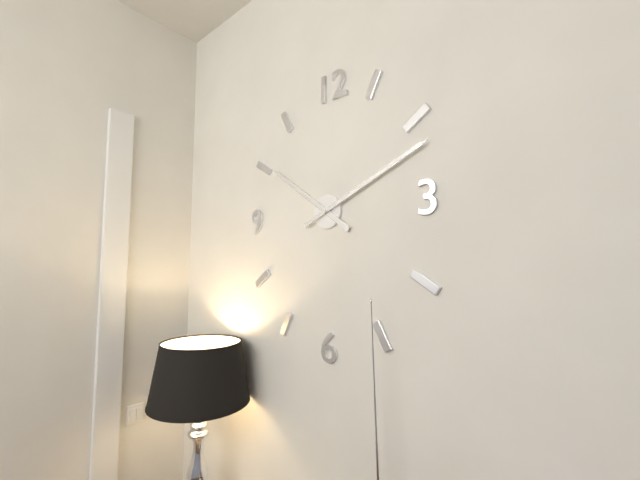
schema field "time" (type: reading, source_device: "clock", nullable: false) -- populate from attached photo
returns 10:11
